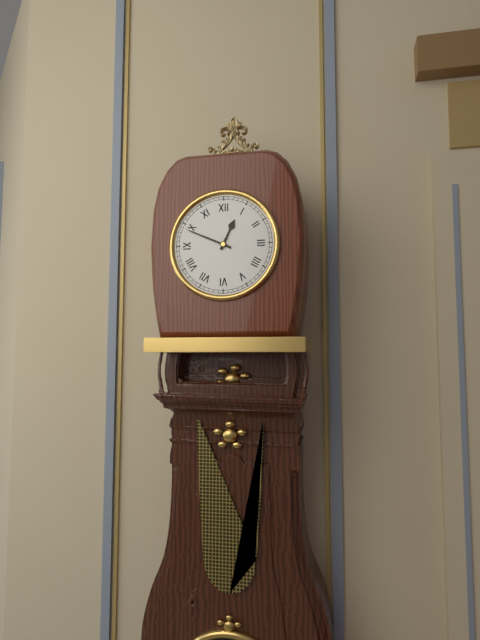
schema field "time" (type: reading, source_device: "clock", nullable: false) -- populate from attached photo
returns 12:49
